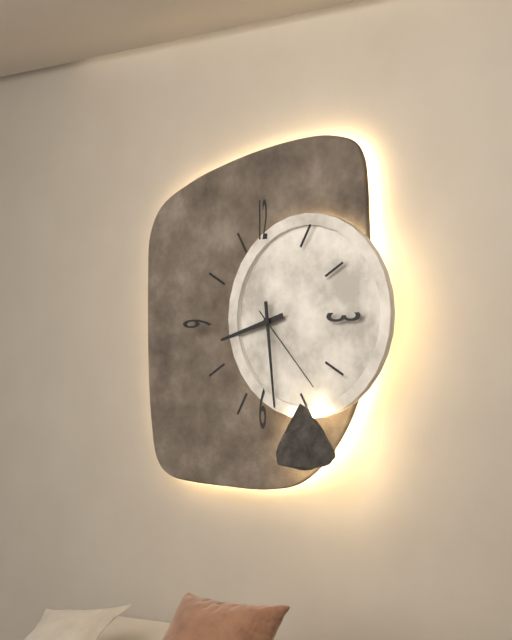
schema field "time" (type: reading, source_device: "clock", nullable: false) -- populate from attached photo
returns 8:29:23
